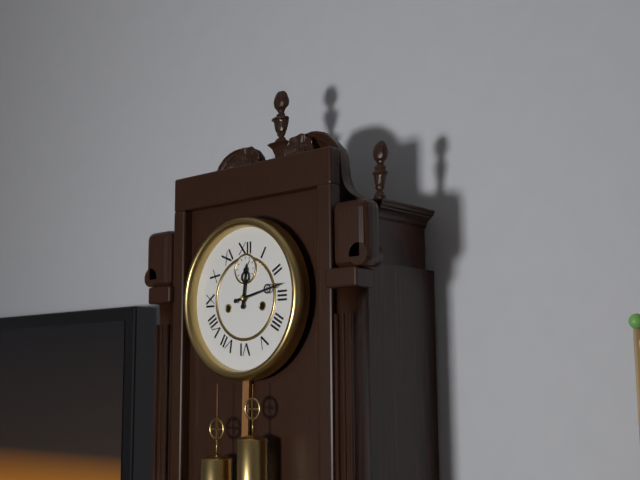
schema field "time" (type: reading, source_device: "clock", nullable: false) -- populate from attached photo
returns 12:13
